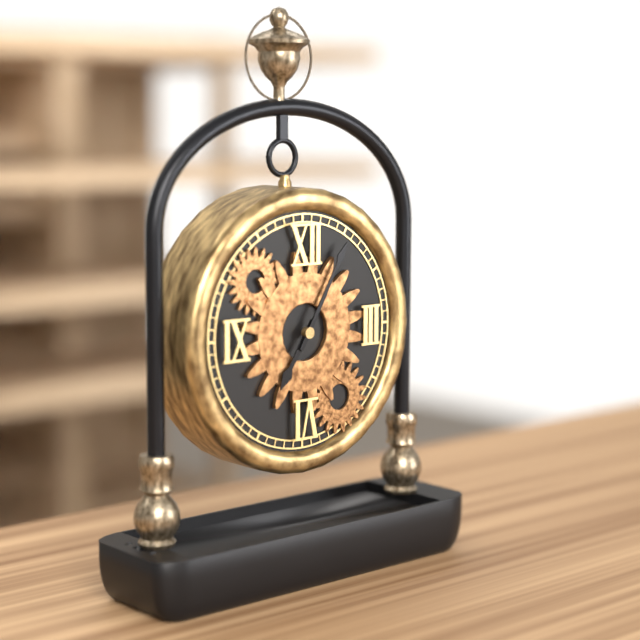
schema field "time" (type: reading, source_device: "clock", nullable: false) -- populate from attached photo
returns 7:05
